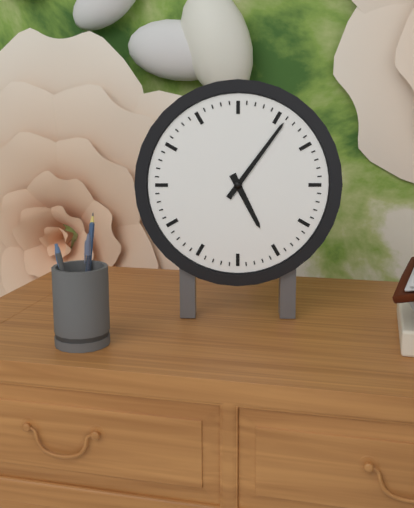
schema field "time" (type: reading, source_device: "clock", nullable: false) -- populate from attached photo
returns 5:06
